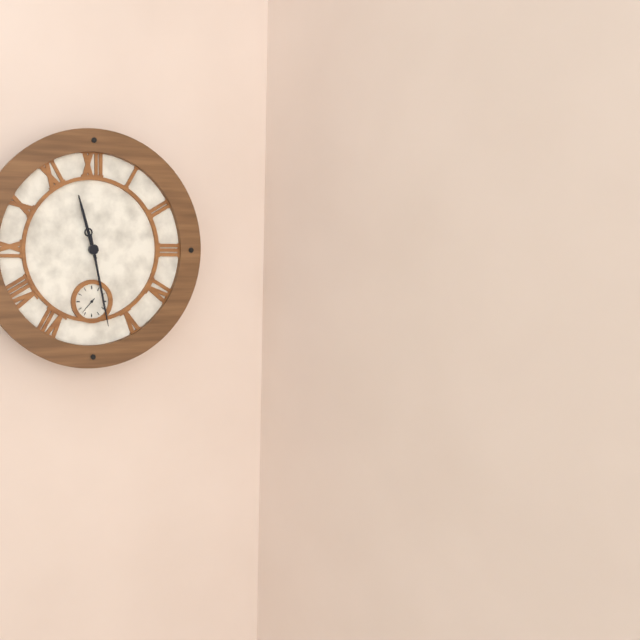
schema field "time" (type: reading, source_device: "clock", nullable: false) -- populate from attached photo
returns 11:28
